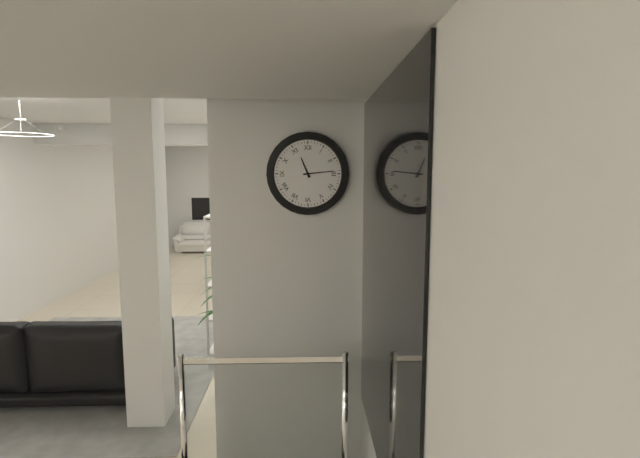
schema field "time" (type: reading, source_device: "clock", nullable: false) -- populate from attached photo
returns 11:14
